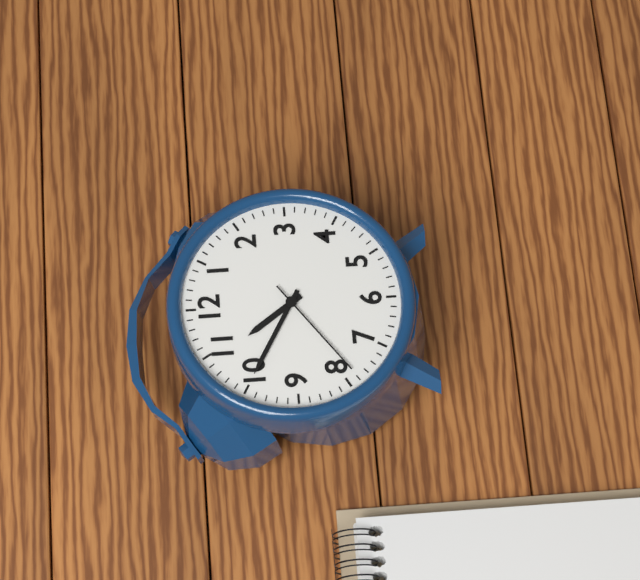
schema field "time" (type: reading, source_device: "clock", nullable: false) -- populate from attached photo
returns 10:50:39
